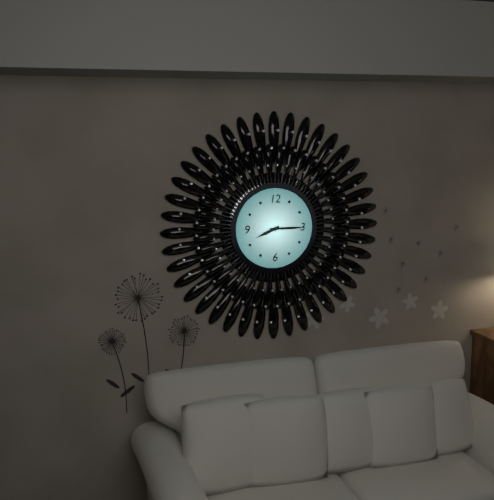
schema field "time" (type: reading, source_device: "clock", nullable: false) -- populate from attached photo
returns 8:15
